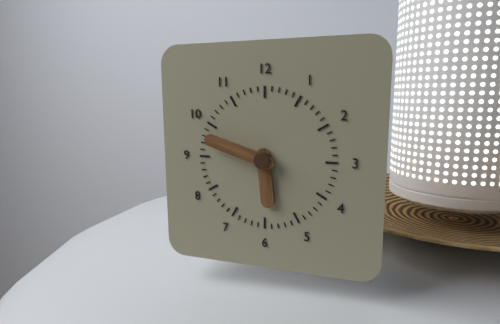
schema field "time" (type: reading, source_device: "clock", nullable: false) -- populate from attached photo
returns 5:48
